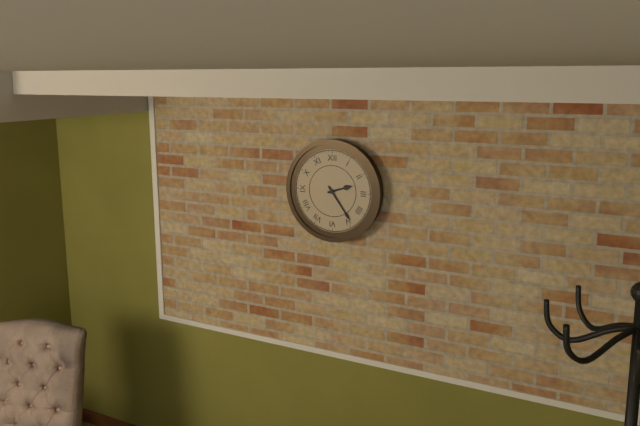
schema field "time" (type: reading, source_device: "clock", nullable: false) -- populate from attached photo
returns 2:24
